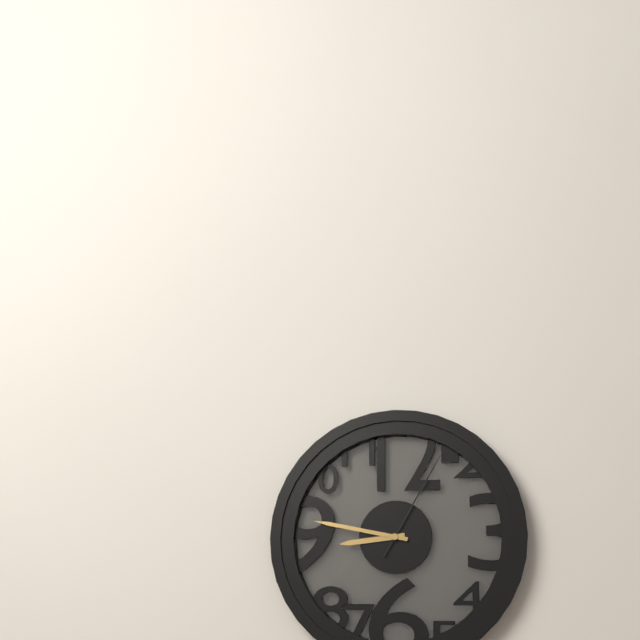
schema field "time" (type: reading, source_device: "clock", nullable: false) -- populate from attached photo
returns 8:47:05
